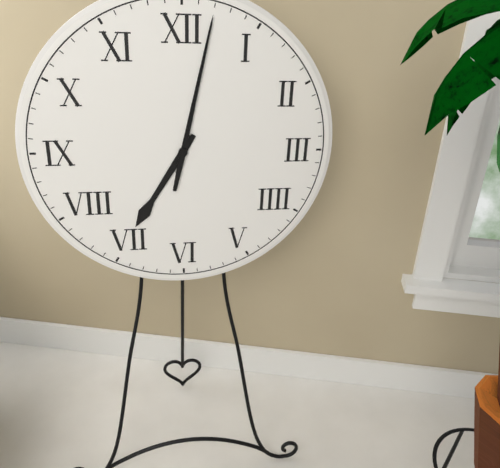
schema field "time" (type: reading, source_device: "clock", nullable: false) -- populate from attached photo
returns 7:02
